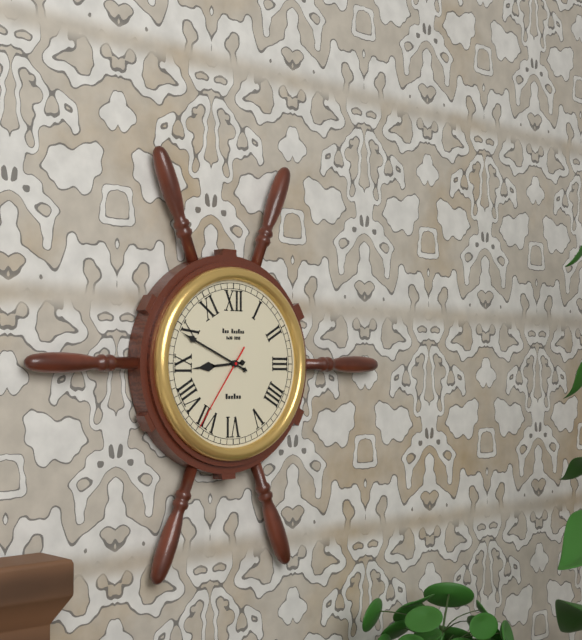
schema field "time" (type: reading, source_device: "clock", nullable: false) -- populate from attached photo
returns 8:49:36
